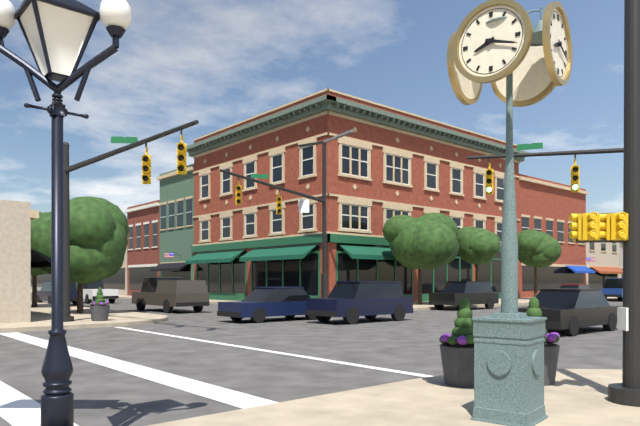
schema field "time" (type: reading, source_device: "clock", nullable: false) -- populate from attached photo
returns 8:18
